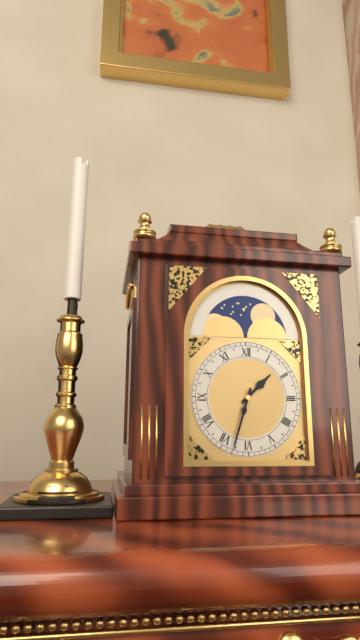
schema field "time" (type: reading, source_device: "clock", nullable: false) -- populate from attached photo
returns 1:33
